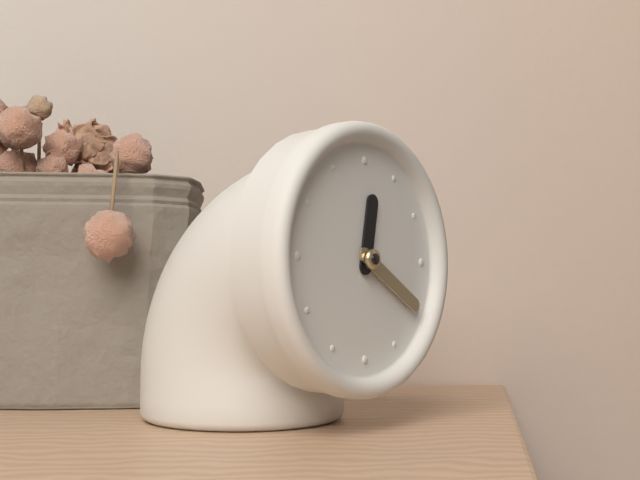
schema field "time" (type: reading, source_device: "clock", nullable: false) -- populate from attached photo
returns 12:20
